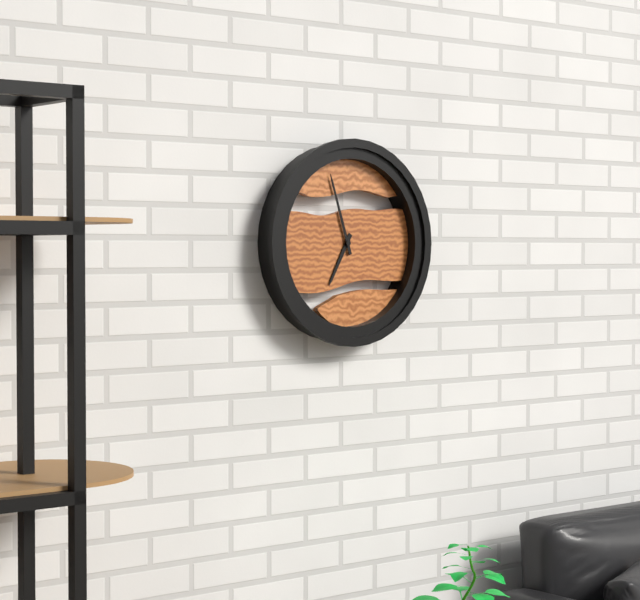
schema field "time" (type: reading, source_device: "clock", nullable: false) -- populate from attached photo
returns 6:57
